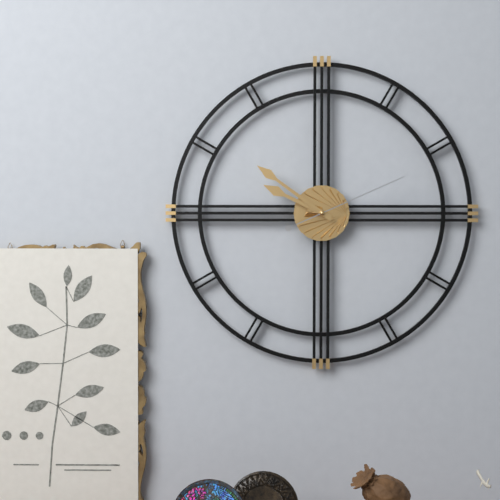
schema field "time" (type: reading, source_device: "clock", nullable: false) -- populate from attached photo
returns 9:51:11
